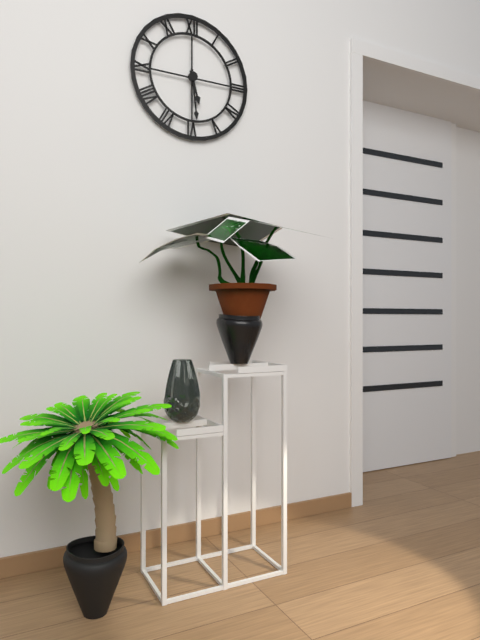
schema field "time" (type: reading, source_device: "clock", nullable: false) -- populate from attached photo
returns 5:29
